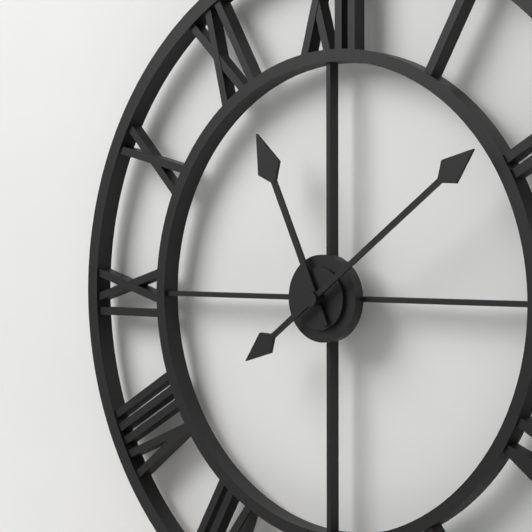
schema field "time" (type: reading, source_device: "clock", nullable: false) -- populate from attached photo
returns 11:09
